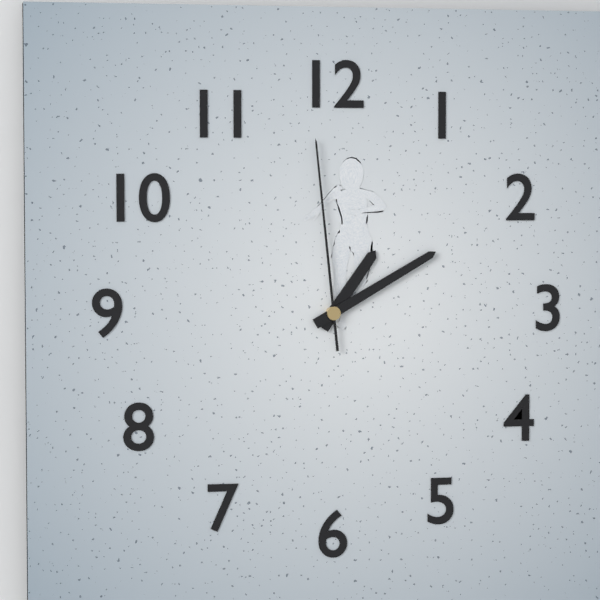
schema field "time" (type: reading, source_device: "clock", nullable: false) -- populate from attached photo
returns 1:10:59
